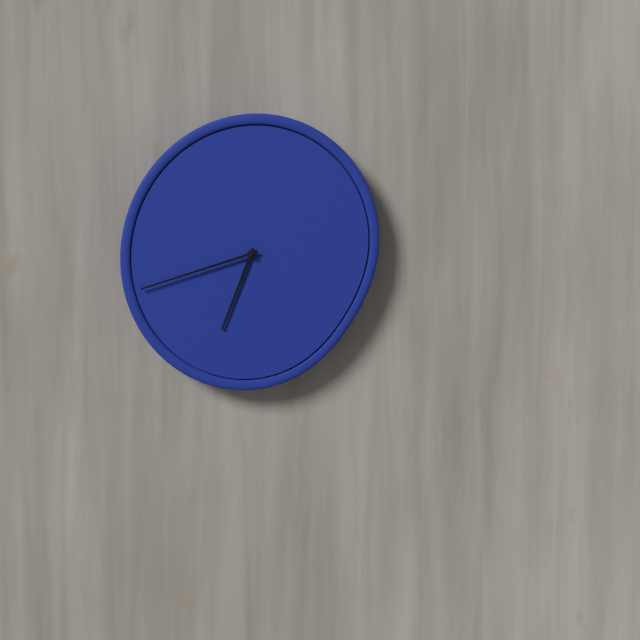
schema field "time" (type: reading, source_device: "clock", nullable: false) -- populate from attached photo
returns 6:42
